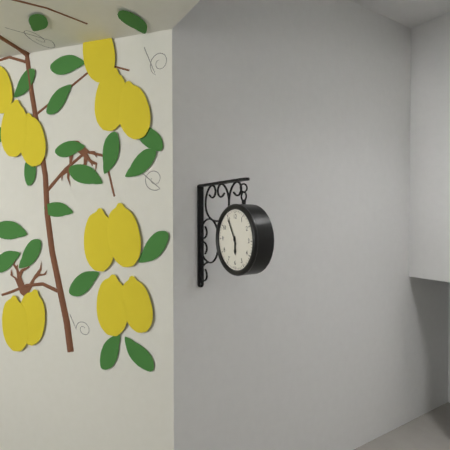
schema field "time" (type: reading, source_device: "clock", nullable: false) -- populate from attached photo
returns 5:55
